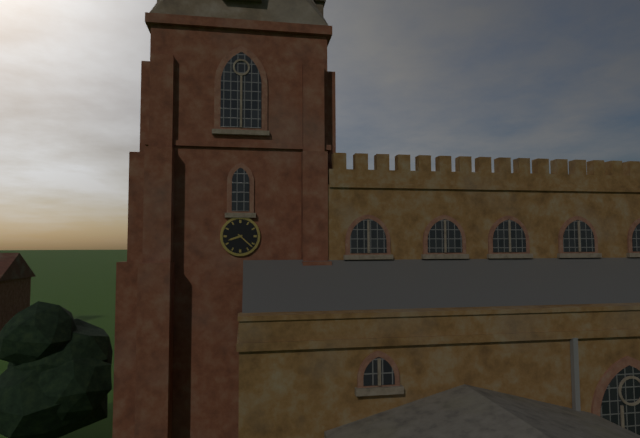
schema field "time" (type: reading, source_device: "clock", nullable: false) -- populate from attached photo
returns 8:22
